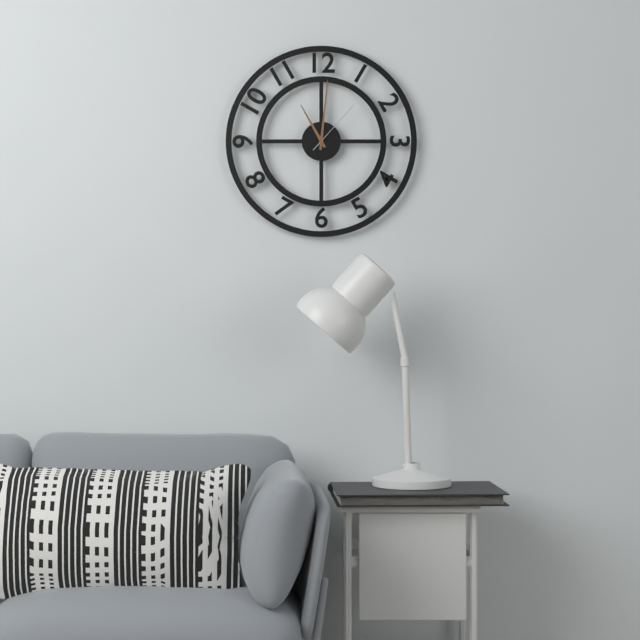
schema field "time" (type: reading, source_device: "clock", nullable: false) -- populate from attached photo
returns 11:01:07
